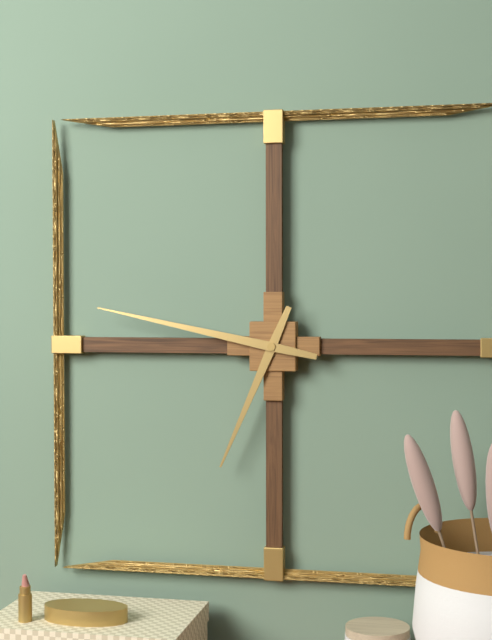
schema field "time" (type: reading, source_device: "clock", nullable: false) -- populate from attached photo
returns 6:47
